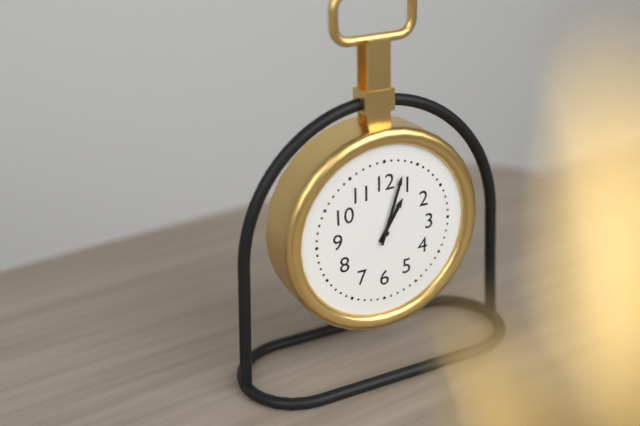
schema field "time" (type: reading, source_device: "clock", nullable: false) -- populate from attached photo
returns 1:03
